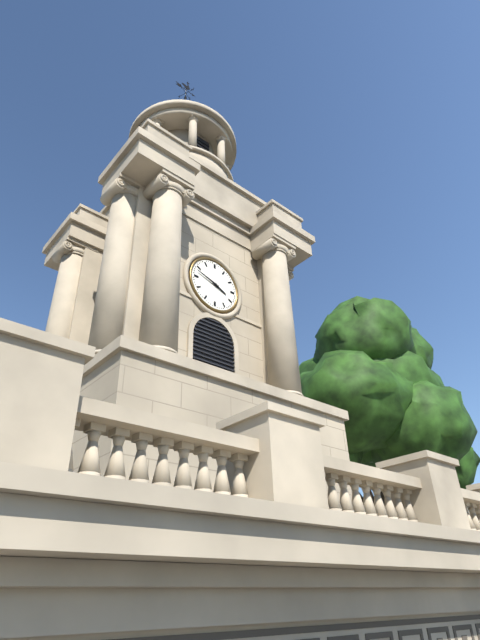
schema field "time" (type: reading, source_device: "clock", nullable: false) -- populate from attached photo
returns 3:48
